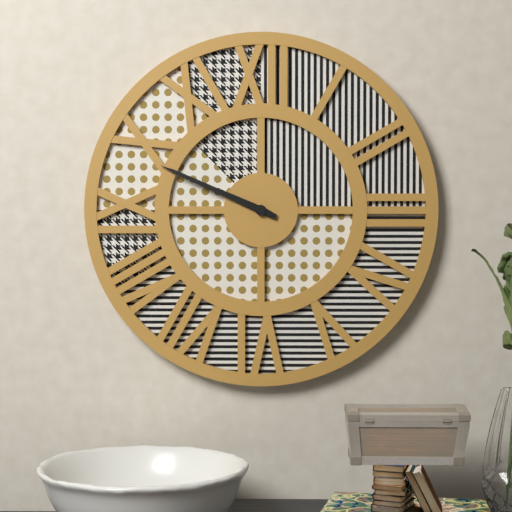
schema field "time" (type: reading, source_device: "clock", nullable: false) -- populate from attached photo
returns 9:49
